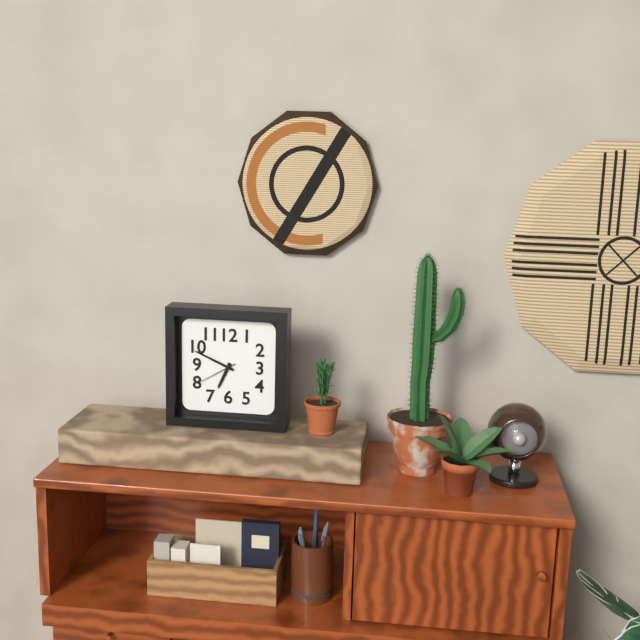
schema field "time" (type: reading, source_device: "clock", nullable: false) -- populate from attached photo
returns 6:49
